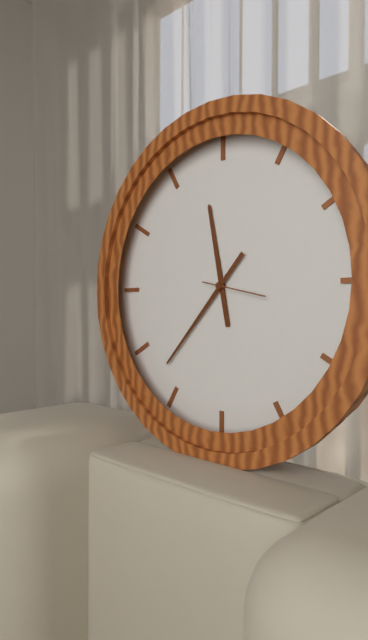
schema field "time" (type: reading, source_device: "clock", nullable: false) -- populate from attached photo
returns 11:37:17
